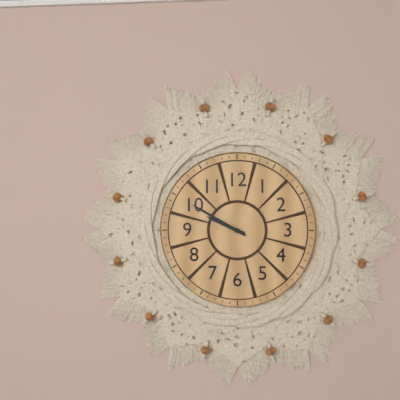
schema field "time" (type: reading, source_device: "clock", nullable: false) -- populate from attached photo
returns 9:50
